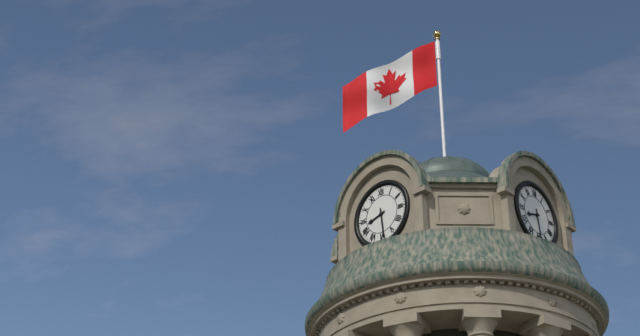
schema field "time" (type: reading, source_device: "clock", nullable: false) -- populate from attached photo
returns 8:29
